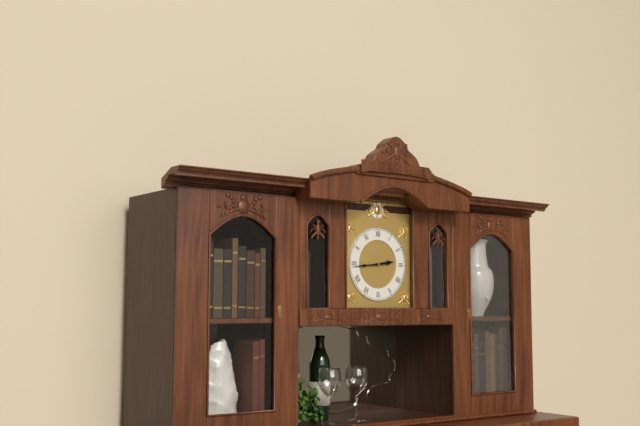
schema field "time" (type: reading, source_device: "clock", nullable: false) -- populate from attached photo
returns 2:44
